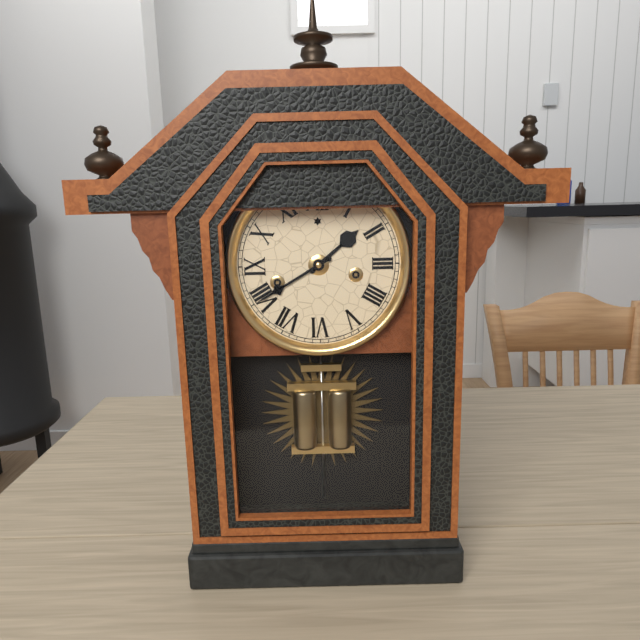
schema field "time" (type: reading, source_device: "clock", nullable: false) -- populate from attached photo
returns 1:40
